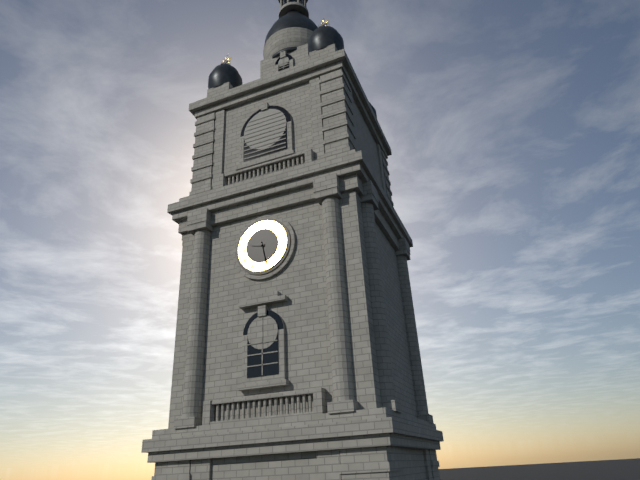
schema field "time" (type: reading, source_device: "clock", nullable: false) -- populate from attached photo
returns 9:28
